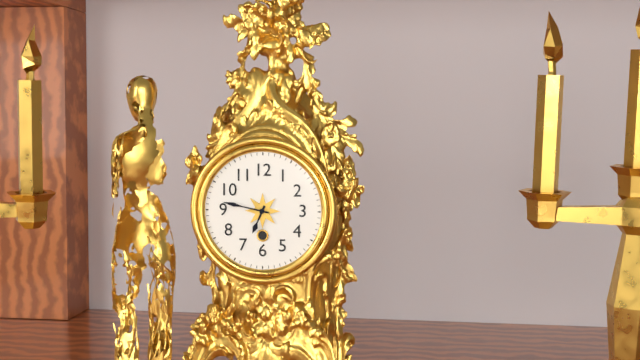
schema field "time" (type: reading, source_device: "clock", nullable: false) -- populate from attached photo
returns 6:47
